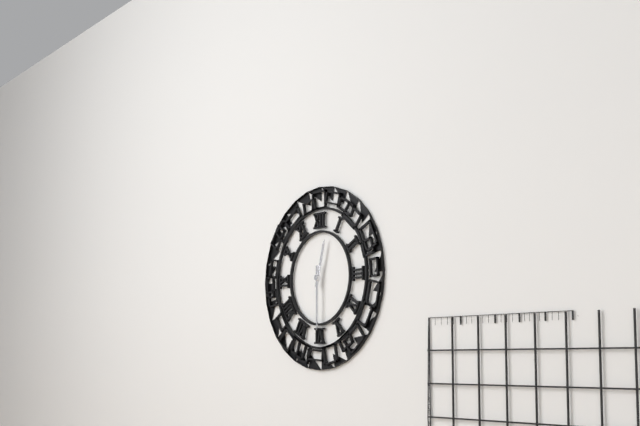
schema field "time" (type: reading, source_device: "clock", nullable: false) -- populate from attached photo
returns 12:30
